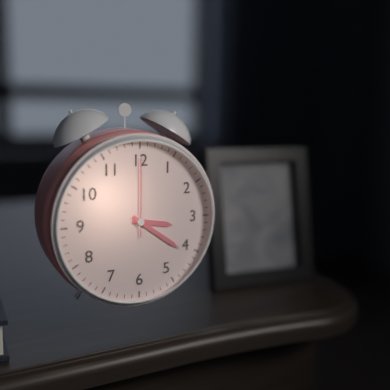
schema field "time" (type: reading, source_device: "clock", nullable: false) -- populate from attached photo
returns 3:21:00
